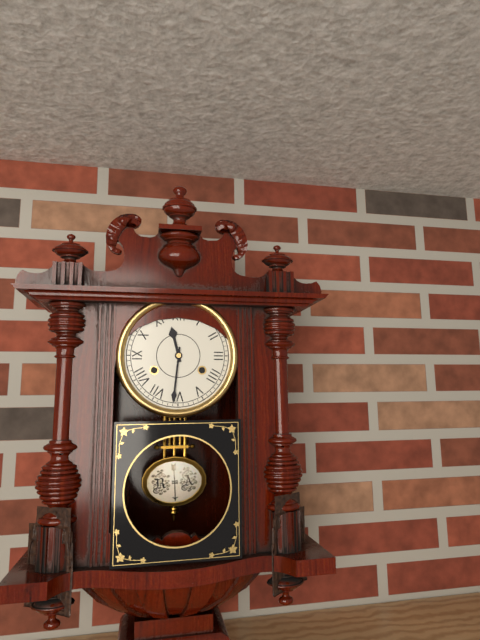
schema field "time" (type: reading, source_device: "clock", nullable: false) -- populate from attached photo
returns 11:31
